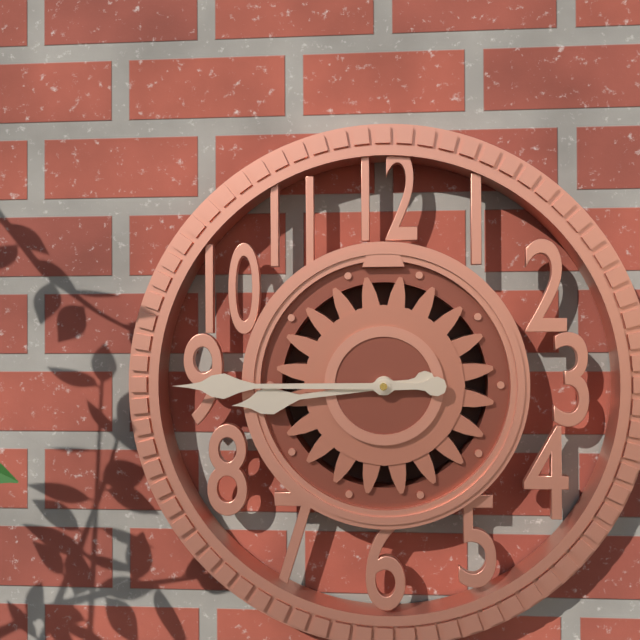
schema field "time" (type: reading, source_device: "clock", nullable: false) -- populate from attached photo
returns 8:45
